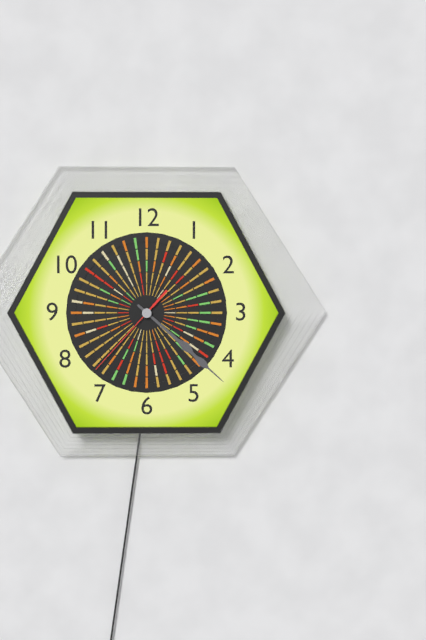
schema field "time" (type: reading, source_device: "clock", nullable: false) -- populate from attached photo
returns 4:22:37
